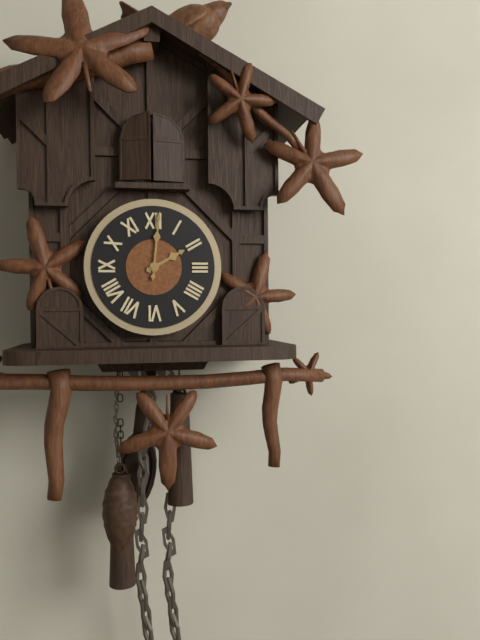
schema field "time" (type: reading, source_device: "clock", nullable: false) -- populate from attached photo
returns 2:01
